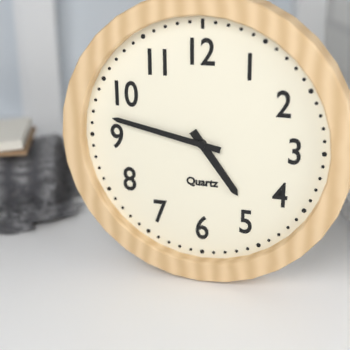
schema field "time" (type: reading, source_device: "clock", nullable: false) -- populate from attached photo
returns 4:47
